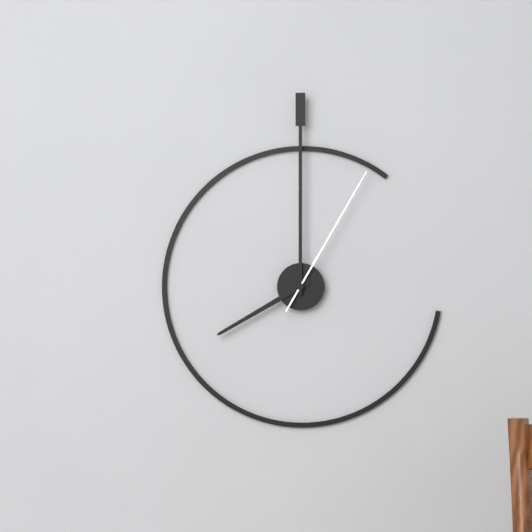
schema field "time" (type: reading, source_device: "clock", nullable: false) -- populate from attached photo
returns 8:00:05
